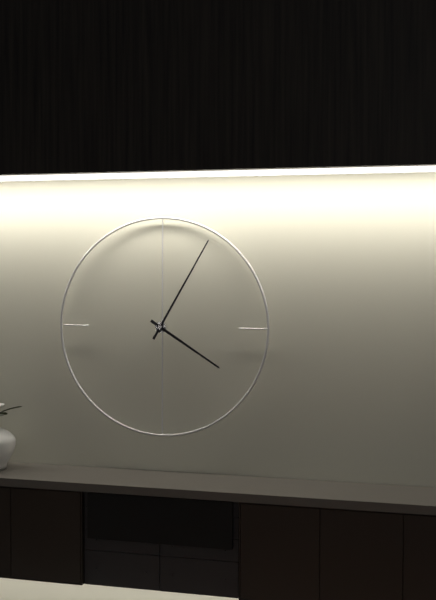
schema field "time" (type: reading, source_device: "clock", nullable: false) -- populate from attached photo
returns 4:05
